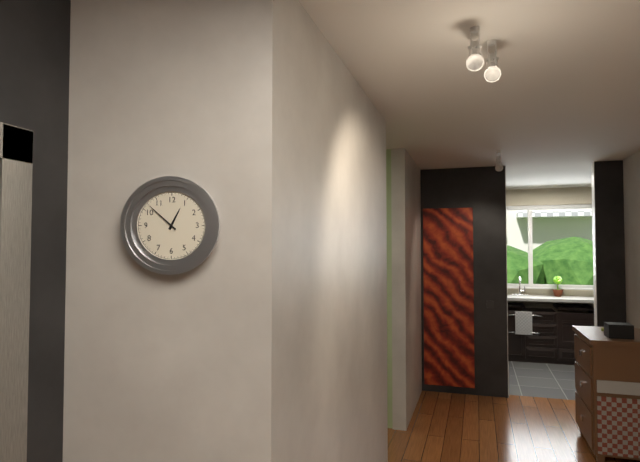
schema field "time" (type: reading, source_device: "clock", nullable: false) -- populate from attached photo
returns 12:52
